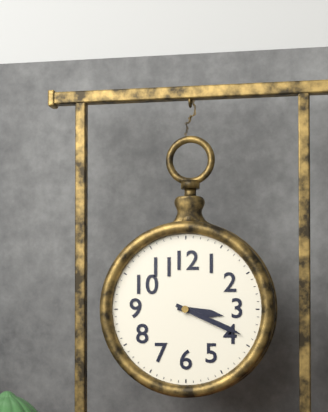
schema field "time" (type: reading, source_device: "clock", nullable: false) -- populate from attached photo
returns 3:19
